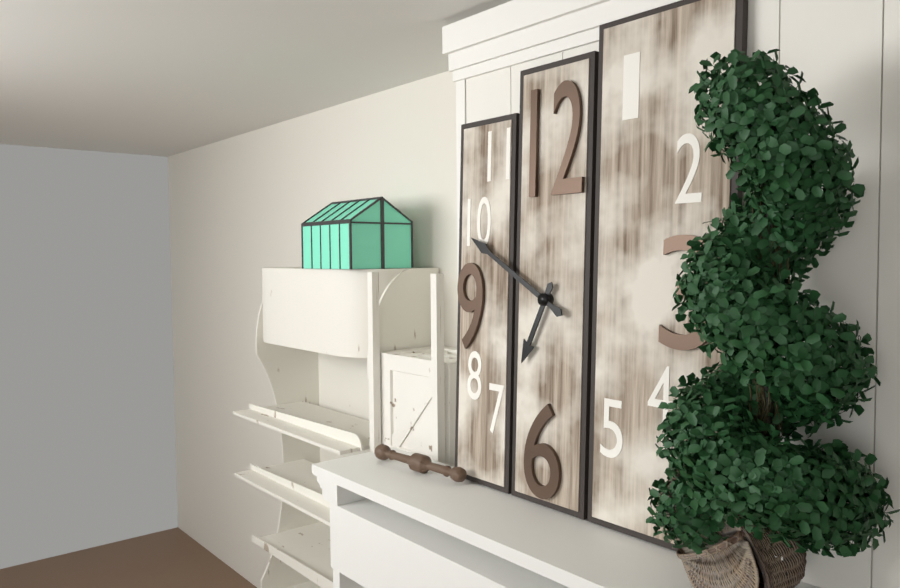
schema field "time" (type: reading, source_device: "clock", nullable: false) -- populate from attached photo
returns 6:50
